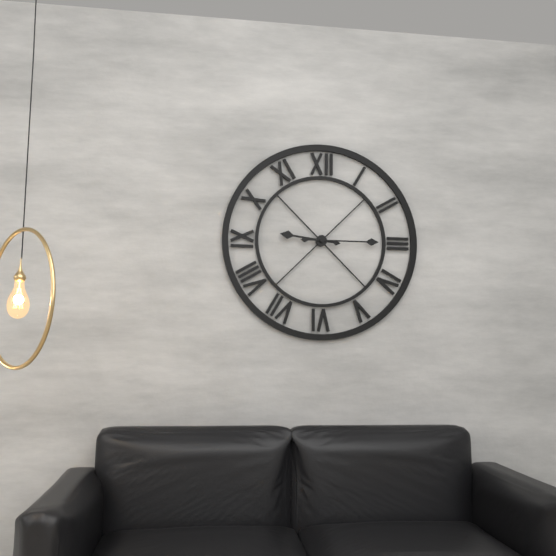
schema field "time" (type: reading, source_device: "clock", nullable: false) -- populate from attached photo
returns 9:15
